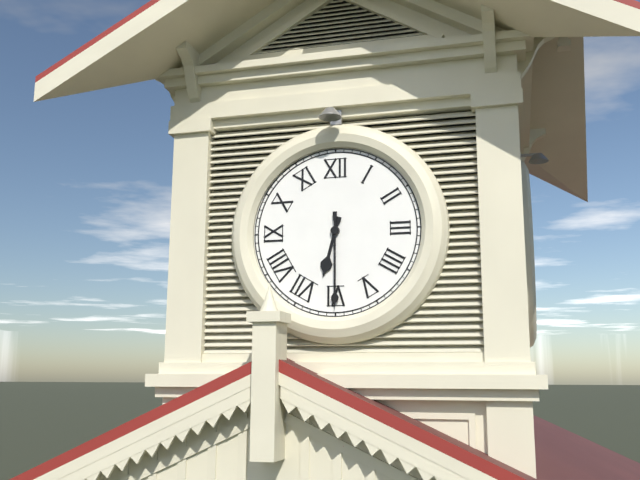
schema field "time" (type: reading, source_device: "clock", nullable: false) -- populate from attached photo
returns 6:30
